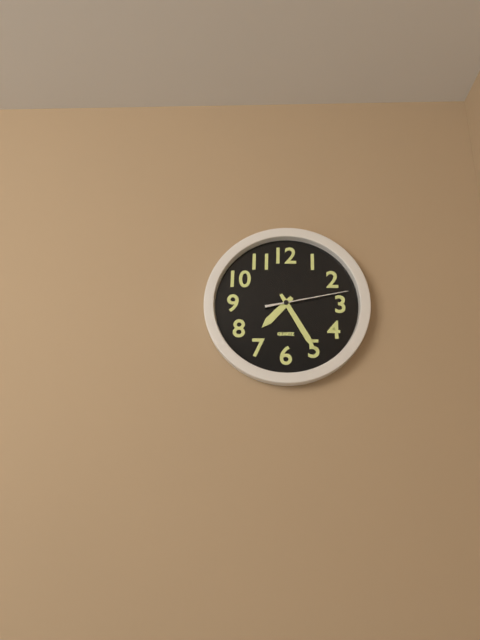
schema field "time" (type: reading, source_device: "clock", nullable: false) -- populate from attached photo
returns 7:25:13
